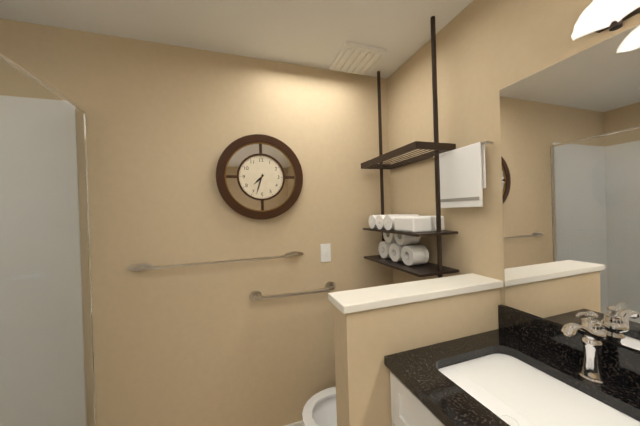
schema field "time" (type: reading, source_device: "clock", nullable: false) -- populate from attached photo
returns 7:33
